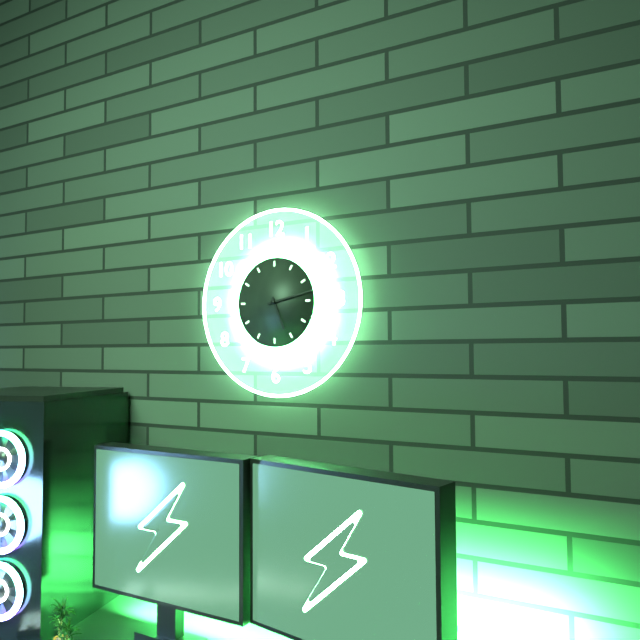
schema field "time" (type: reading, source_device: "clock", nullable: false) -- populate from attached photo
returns 5:13
